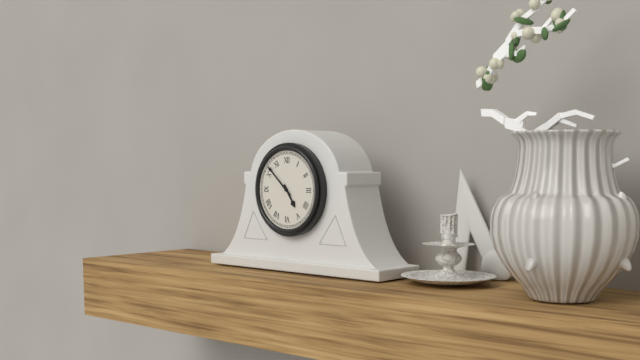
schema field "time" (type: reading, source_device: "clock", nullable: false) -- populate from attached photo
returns 4:52
